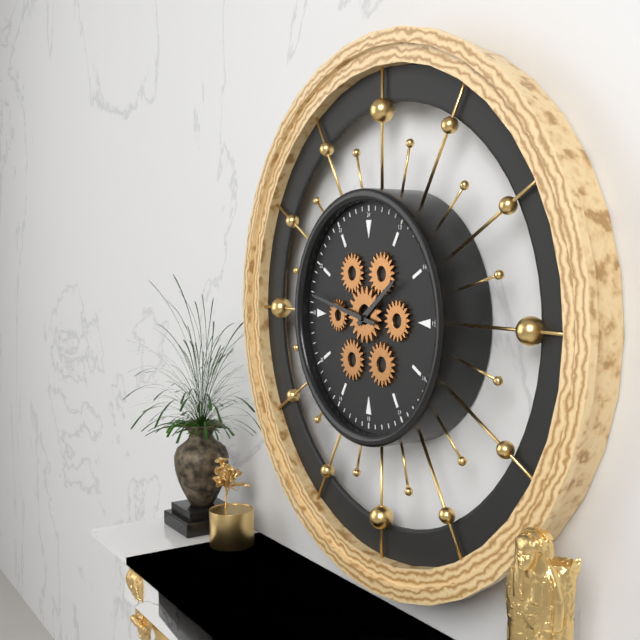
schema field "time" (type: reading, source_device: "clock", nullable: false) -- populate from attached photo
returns 1:47
